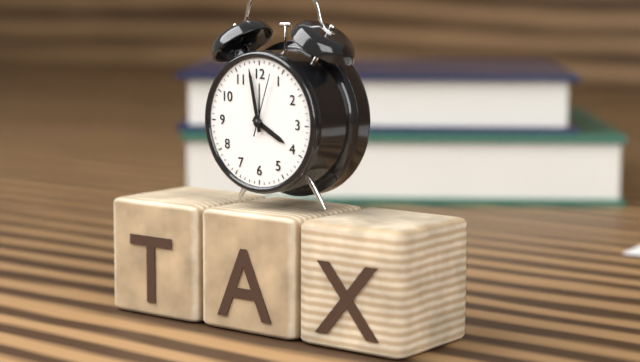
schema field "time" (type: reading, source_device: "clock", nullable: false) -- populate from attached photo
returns 3:58:03
